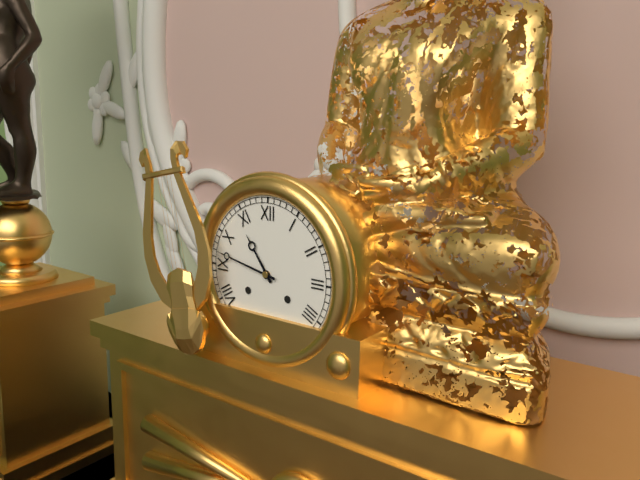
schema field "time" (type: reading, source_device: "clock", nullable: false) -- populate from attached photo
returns 10:47
